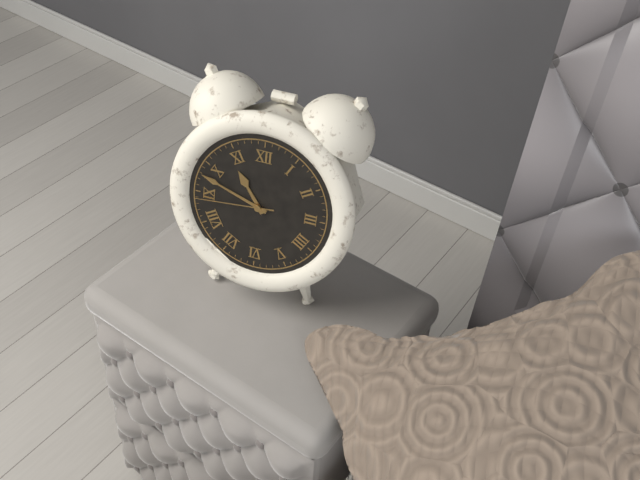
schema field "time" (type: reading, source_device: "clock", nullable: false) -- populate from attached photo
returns 10:48:44
